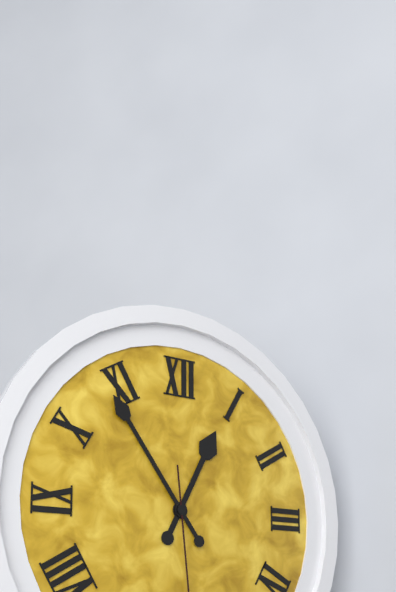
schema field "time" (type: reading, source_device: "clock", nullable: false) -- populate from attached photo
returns 12:54
